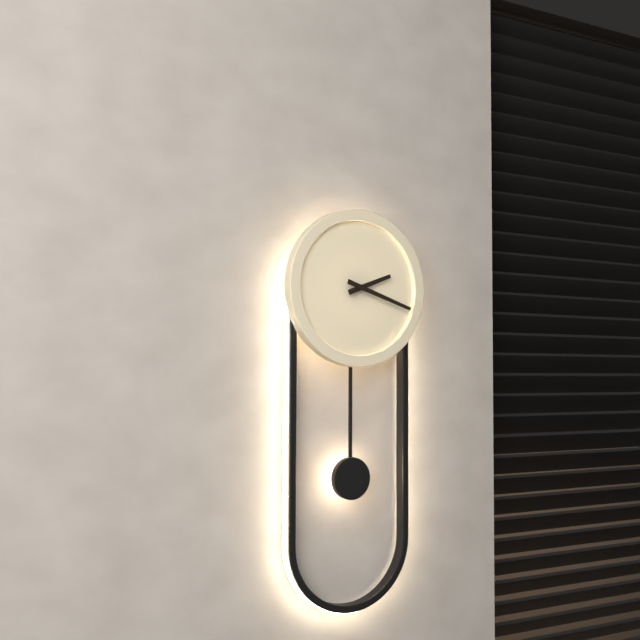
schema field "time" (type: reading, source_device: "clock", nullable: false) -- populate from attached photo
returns 2:18
